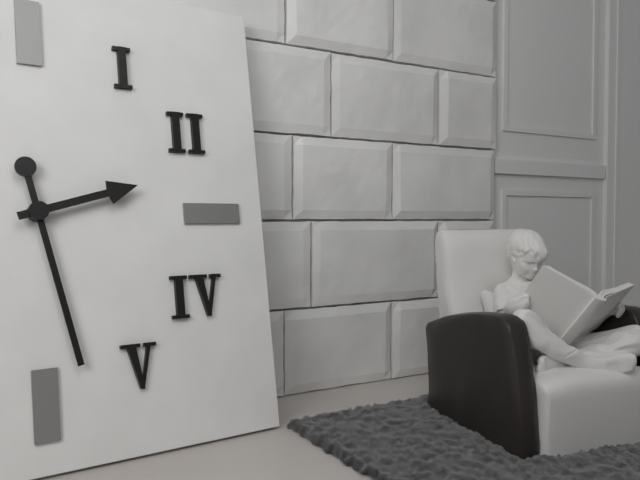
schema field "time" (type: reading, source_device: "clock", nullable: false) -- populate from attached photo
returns 2:28
